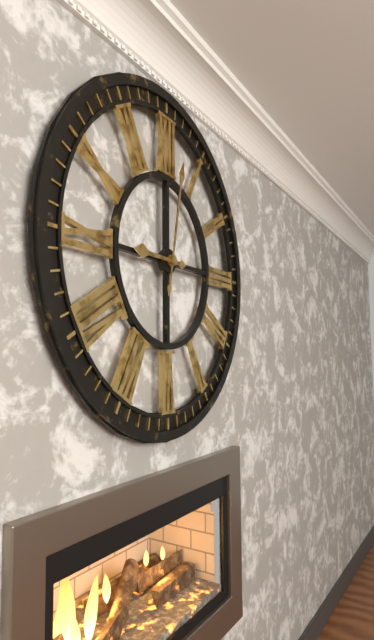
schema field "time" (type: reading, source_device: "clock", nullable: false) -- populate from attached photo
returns 9:02
